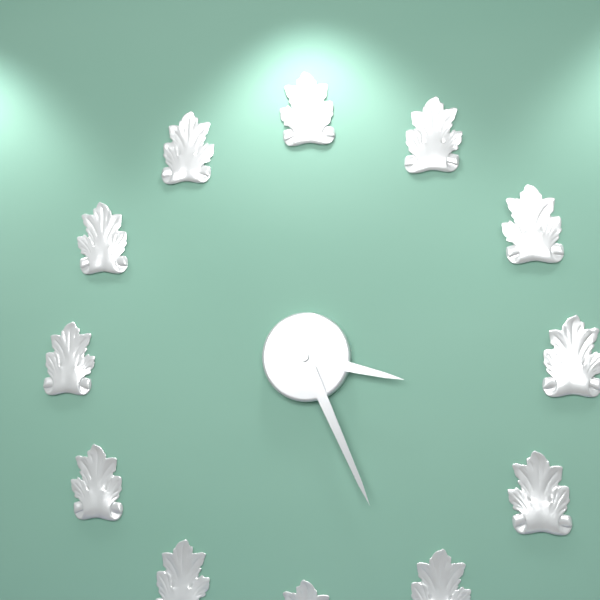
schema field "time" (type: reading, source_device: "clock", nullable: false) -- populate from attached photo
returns 3:26
